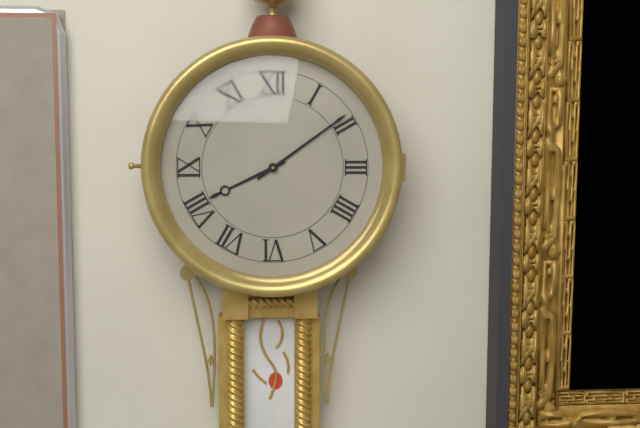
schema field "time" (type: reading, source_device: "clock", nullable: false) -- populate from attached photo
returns 8:09
